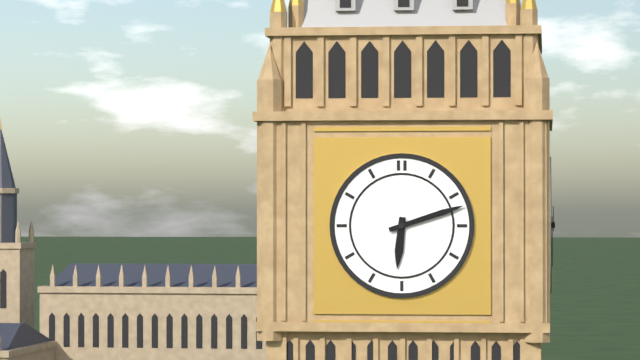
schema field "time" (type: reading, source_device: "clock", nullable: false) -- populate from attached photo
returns 6:12
